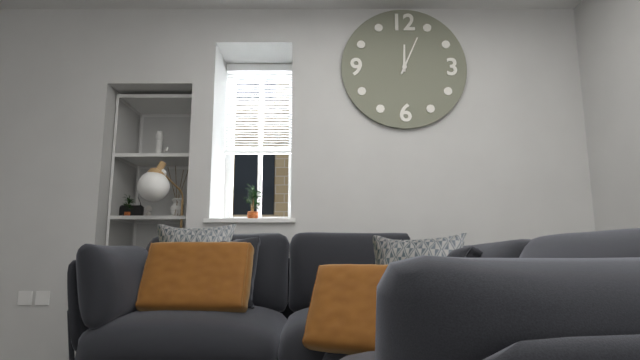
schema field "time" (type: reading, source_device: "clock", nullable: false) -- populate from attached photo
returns 12:04
